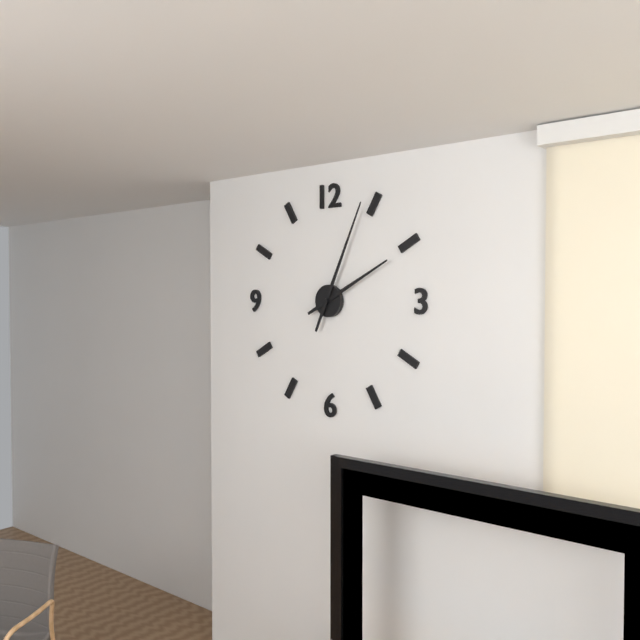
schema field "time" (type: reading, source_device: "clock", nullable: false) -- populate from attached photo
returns 2:04
